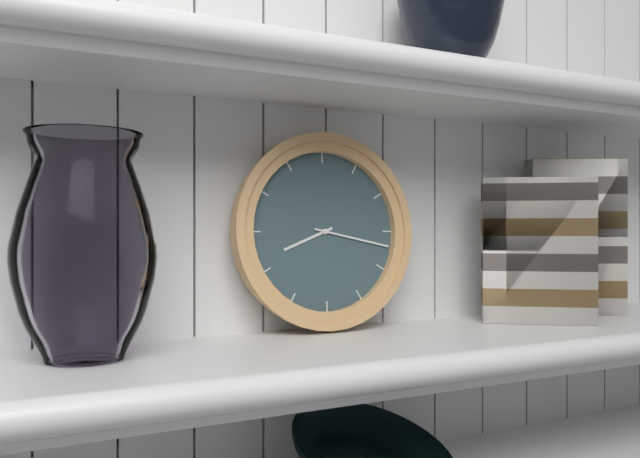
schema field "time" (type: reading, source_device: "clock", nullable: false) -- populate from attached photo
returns 8:17
